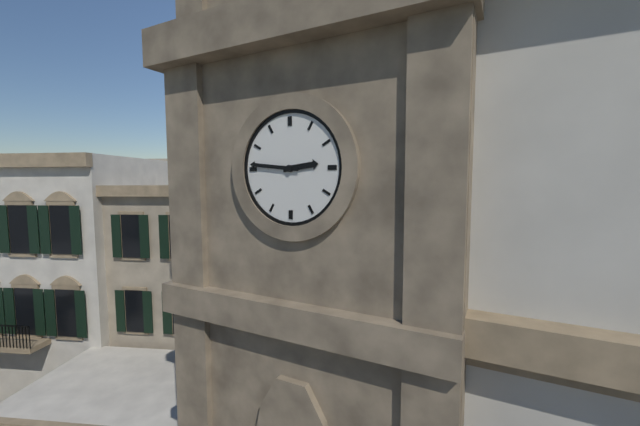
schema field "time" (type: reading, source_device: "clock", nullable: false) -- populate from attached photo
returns 2:46
